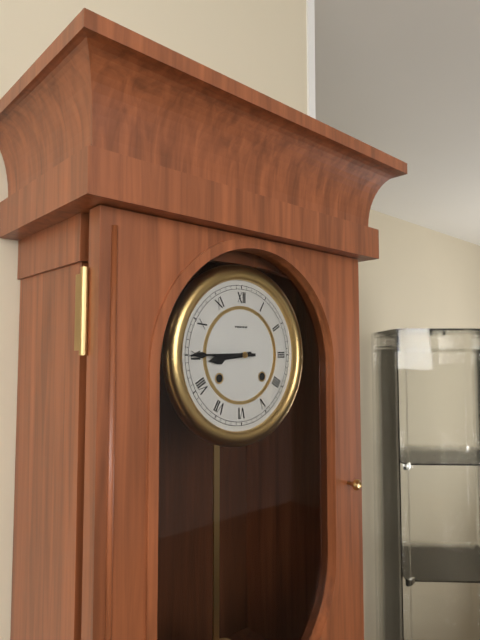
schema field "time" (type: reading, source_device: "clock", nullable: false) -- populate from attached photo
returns 8:45
